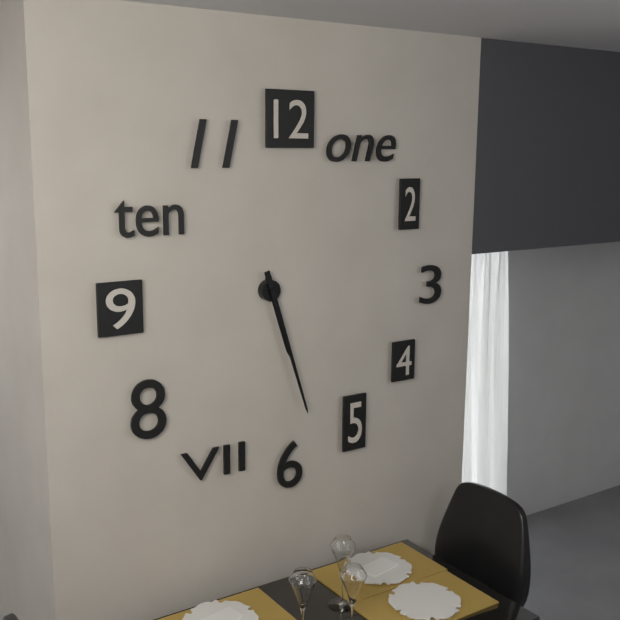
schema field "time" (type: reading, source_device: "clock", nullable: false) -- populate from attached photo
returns 5:27
